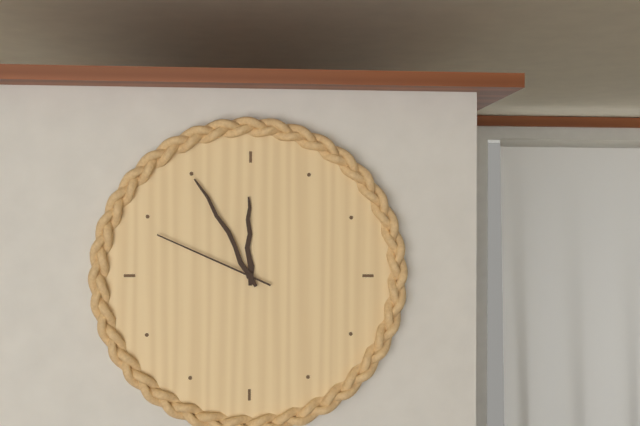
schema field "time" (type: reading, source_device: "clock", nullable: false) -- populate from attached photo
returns 11:55:49
